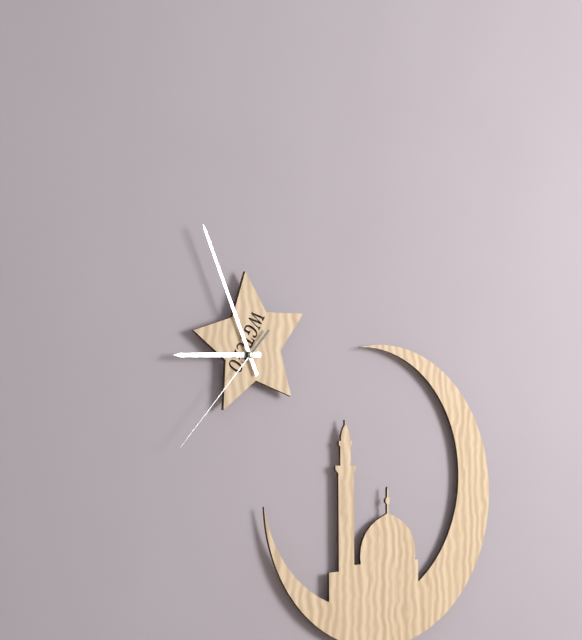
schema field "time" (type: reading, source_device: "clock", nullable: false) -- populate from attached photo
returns 8:56:37
